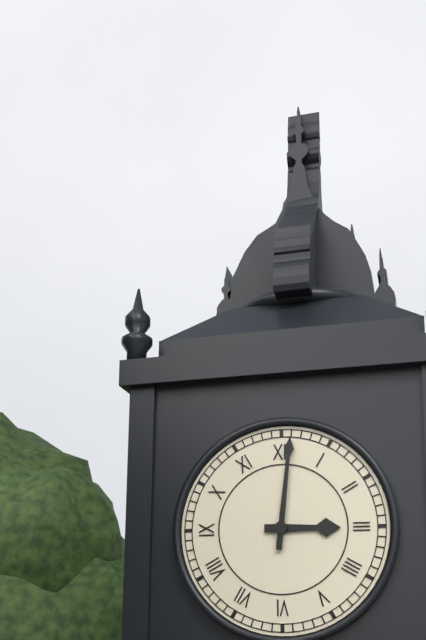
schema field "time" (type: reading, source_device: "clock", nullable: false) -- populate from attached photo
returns 3:01
